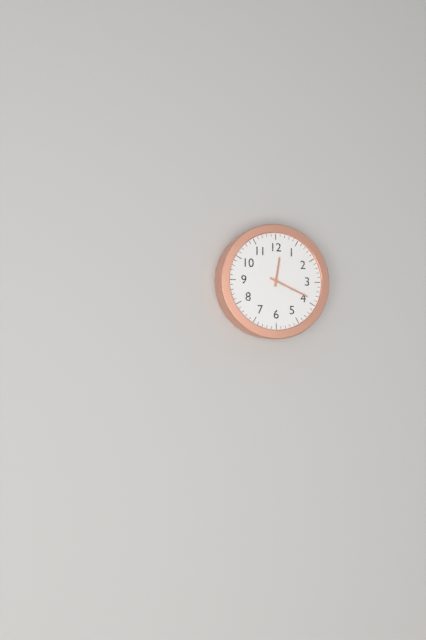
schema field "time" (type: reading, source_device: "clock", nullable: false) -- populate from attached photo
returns 12:19
